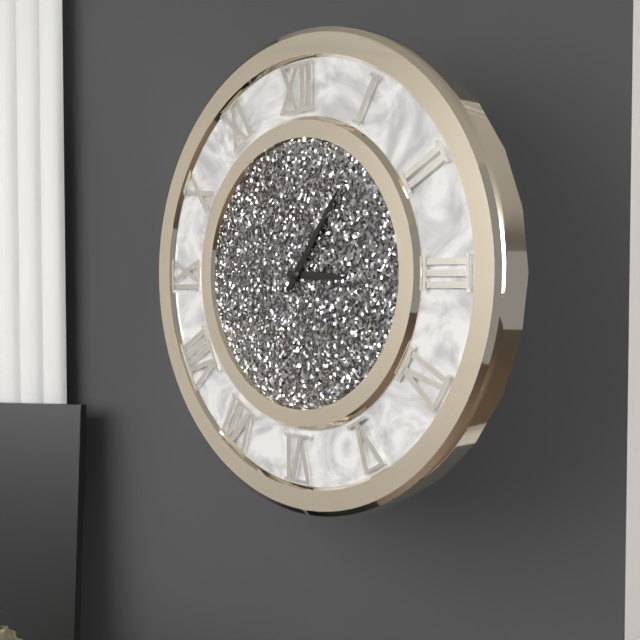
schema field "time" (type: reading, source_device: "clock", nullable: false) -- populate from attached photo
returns 3:06
